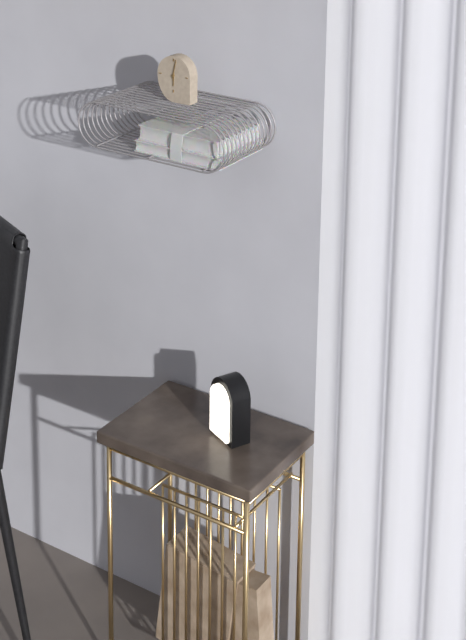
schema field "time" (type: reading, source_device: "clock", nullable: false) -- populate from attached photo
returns 6:02
